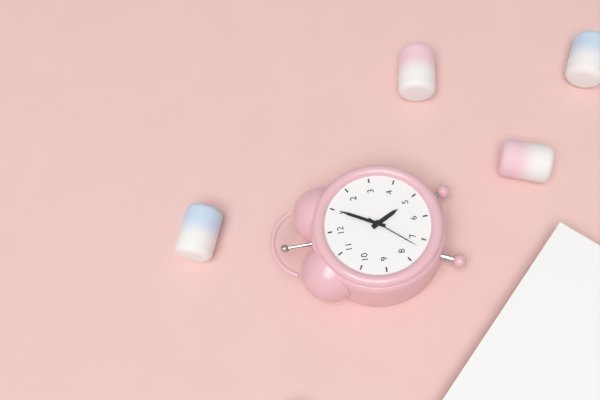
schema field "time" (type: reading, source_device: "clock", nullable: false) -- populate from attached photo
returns 5:05:37
